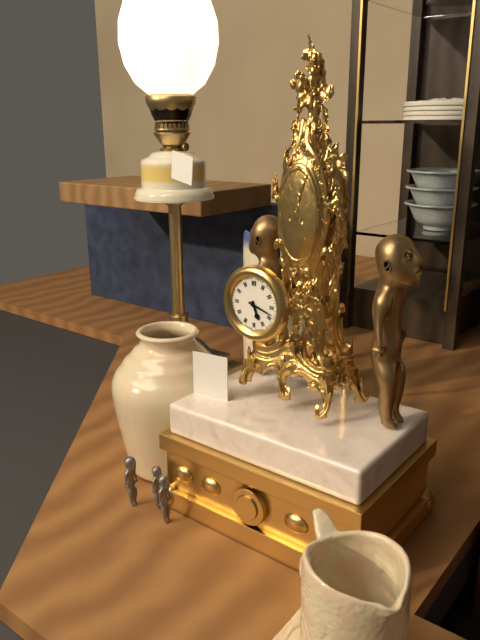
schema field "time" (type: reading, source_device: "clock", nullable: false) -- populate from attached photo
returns 5:18
